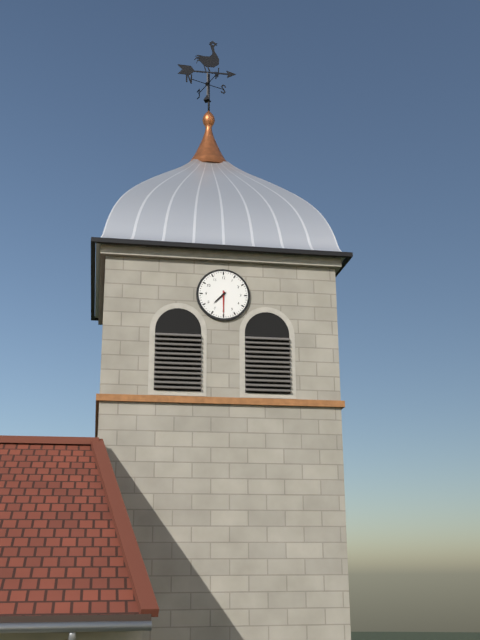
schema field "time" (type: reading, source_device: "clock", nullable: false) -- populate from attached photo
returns 7:30
